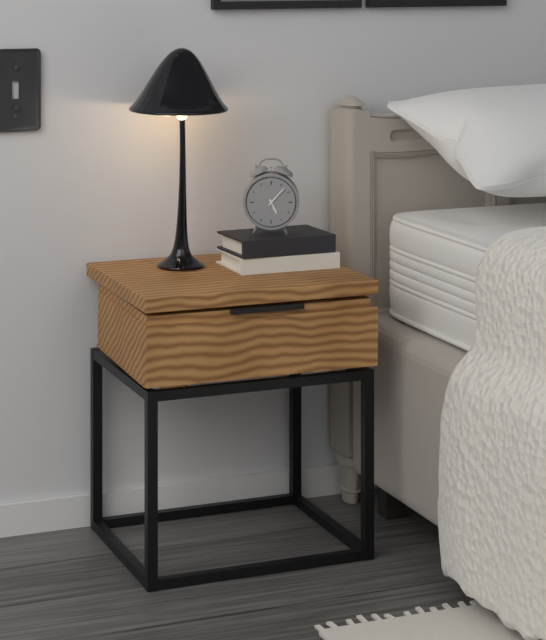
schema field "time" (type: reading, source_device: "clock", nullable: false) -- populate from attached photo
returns 5:07
